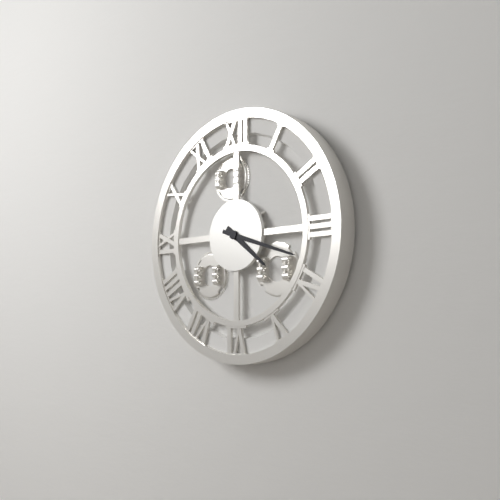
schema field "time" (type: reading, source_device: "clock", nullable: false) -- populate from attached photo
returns 4:18
